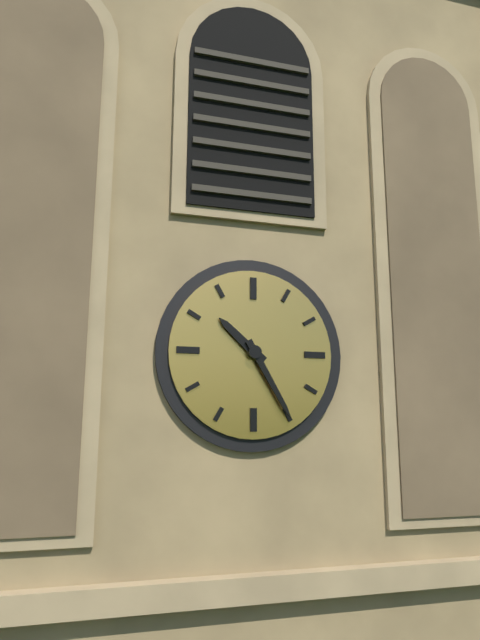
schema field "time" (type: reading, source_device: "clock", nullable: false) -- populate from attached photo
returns 10:25
